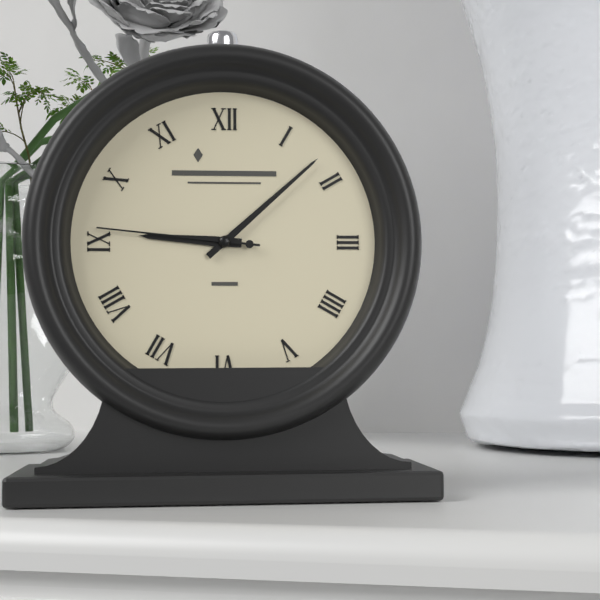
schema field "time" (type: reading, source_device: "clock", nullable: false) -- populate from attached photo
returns 9:08:46
